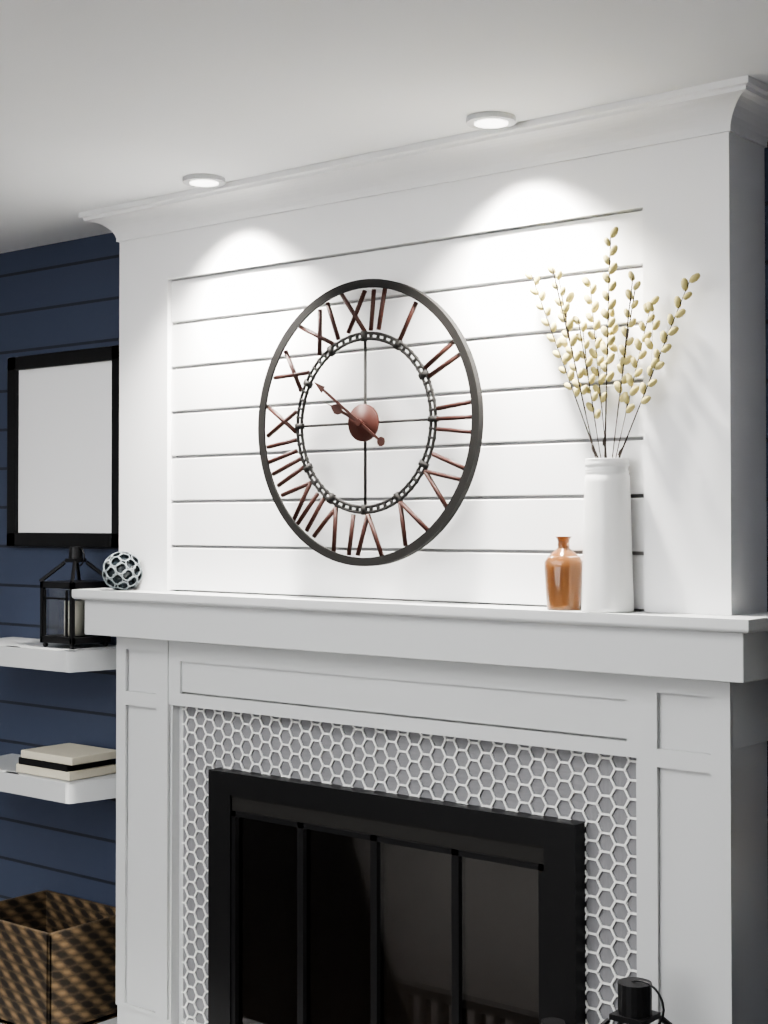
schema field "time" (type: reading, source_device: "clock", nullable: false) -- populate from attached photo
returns 9:51
